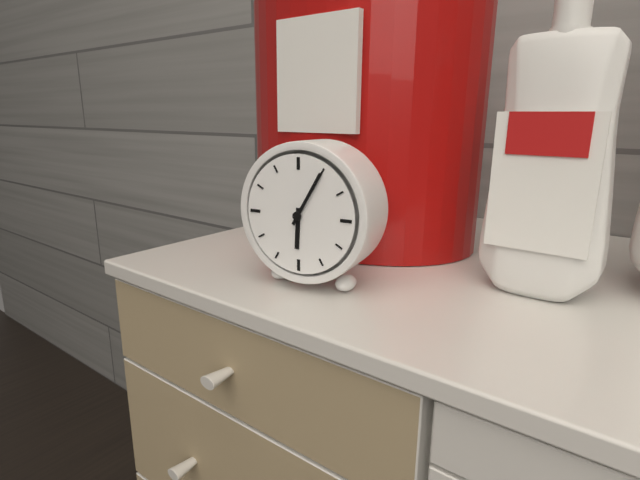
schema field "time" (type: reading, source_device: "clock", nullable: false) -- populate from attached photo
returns 6:05
